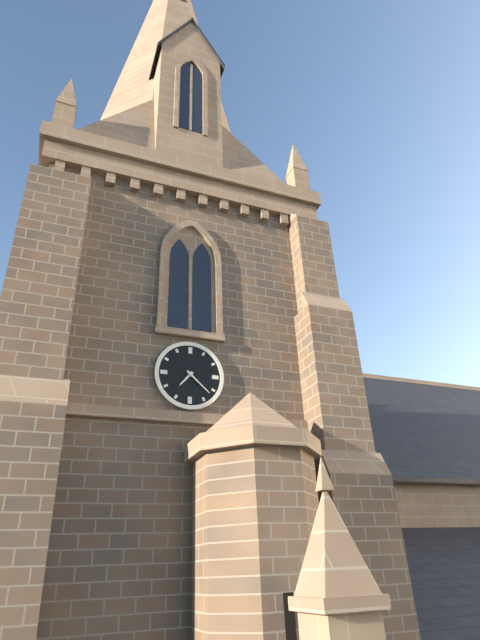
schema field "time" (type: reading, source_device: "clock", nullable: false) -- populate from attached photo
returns 7:22
